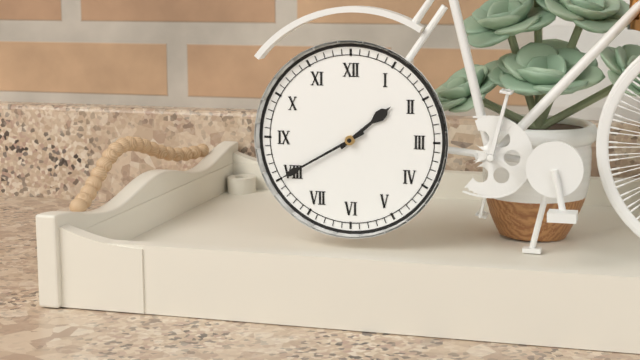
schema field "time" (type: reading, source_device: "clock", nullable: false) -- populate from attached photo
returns 1:40
